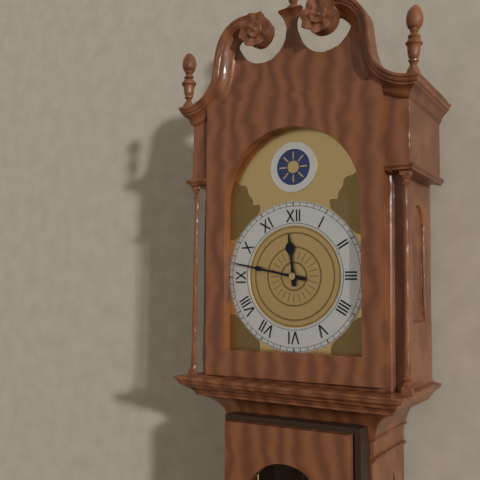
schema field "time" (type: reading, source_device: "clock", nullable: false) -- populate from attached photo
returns 11:47
